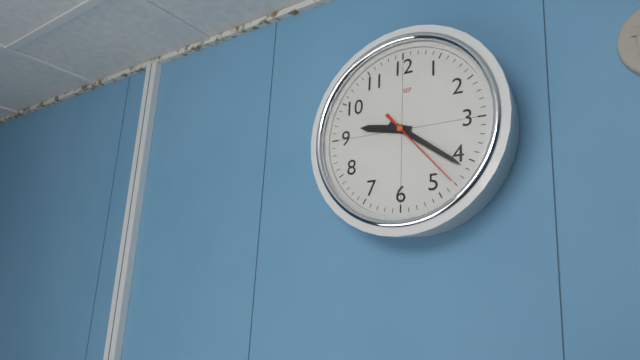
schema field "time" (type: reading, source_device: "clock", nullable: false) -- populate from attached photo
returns 9:21:23
